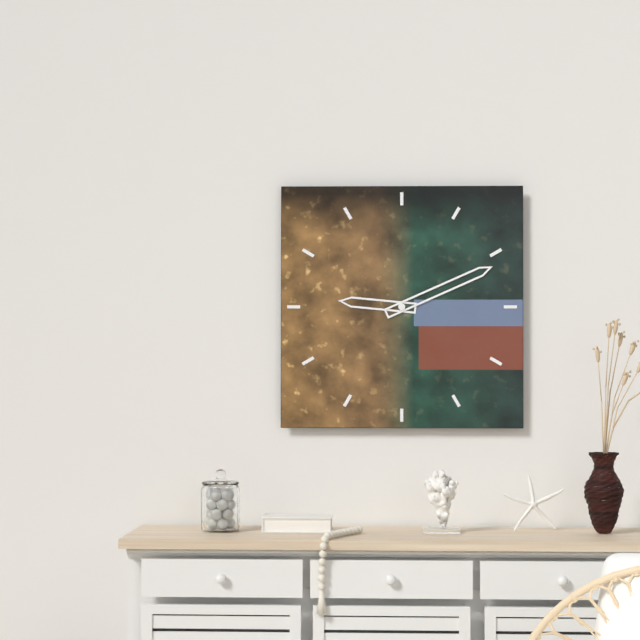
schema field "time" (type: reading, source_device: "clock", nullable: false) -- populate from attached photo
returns 9:11
